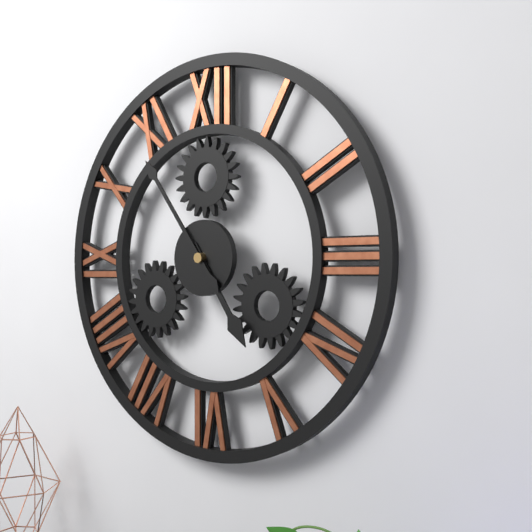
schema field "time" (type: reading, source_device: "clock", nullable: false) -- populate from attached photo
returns 4:54
